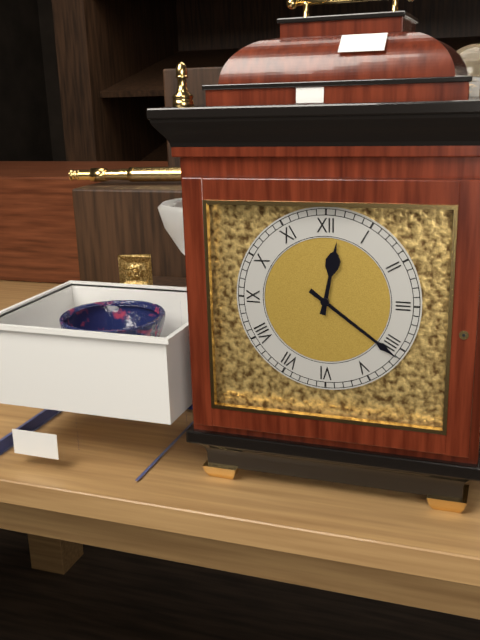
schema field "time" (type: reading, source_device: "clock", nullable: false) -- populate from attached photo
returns 12:21
